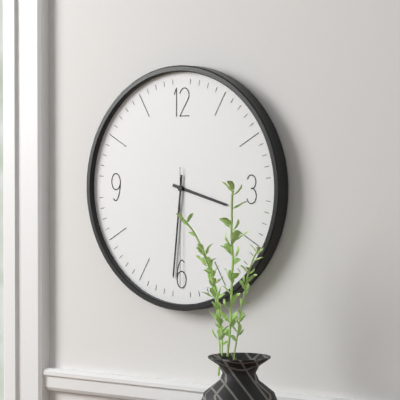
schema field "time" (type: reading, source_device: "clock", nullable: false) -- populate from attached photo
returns 3:31:30
